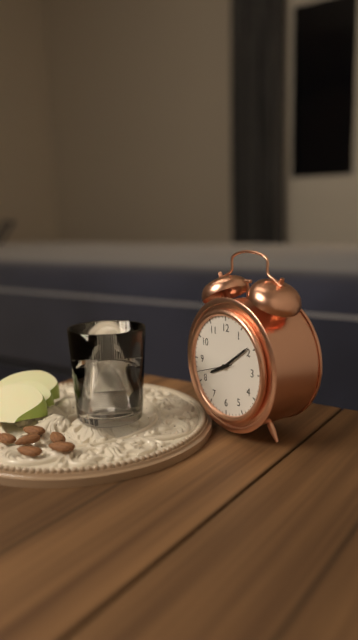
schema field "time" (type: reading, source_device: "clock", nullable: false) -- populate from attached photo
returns 8:09
